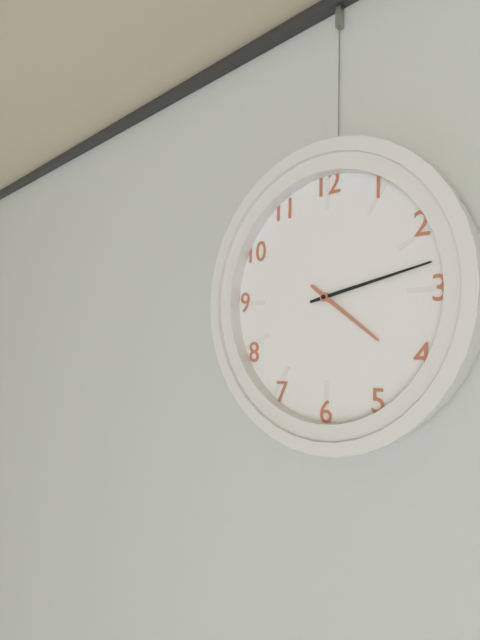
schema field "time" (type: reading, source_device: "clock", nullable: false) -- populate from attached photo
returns 4:13
